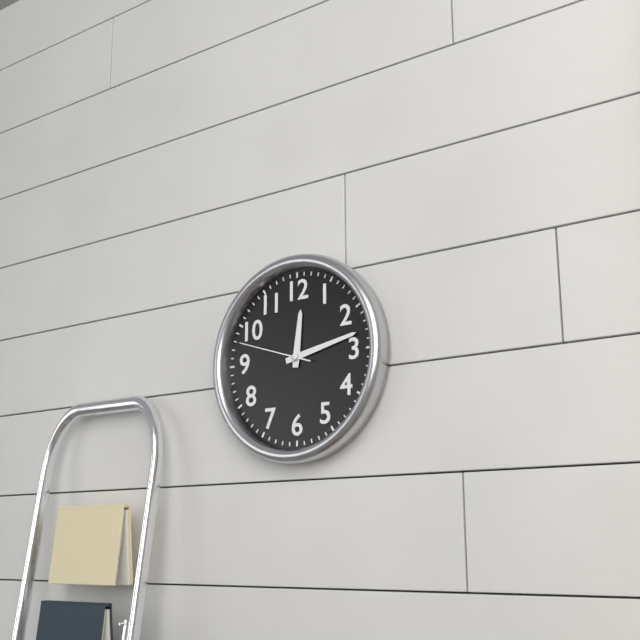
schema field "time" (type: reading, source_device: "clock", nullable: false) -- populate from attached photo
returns 12:13:48
